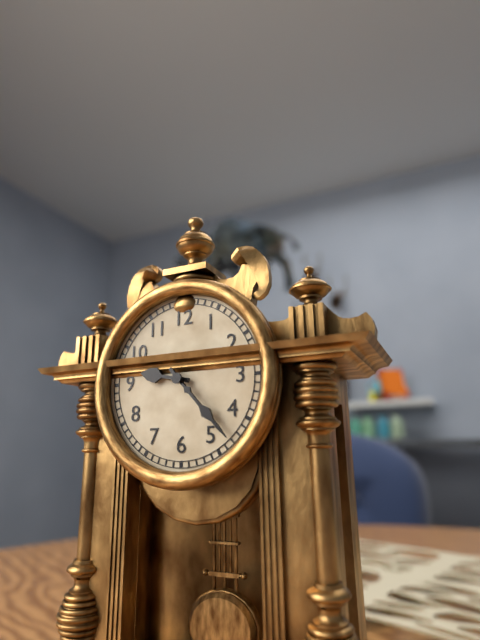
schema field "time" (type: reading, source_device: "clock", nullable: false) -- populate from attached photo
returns 9:23
